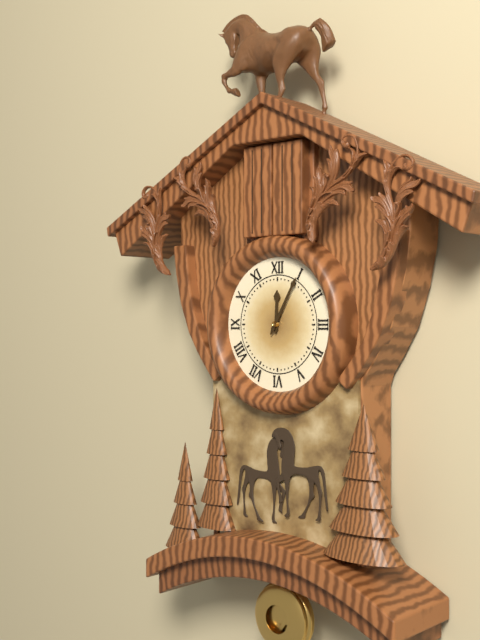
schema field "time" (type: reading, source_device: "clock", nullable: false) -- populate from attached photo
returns 12:05
